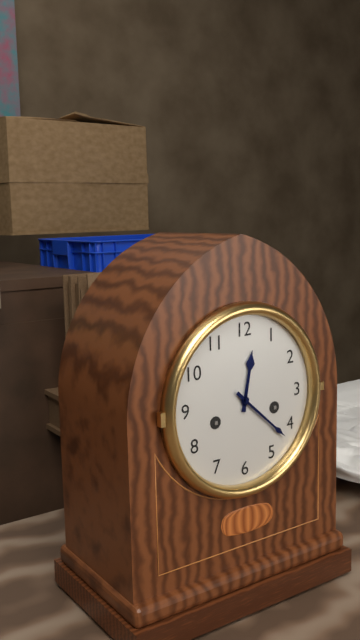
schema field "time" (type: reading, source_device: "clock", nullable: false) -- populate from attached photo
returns 12:22
